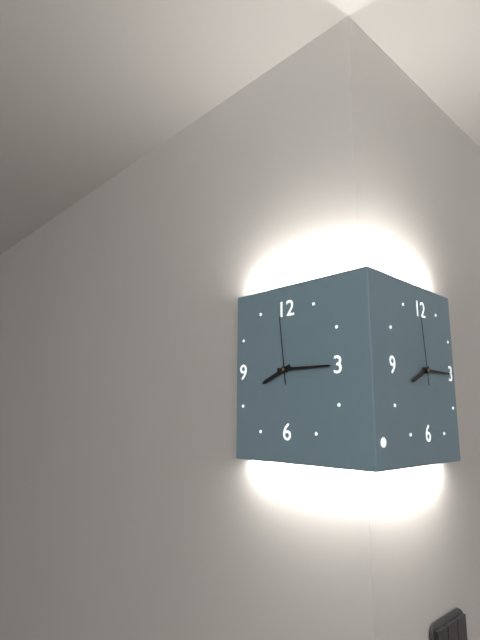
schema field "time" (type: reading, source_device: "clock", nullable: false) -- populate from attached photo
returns 8:15:59
